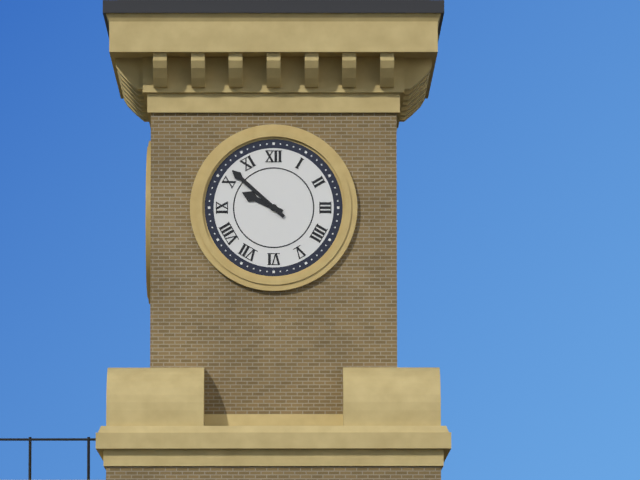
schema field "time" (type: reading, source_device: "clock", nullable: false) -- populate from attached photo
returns 9:52
